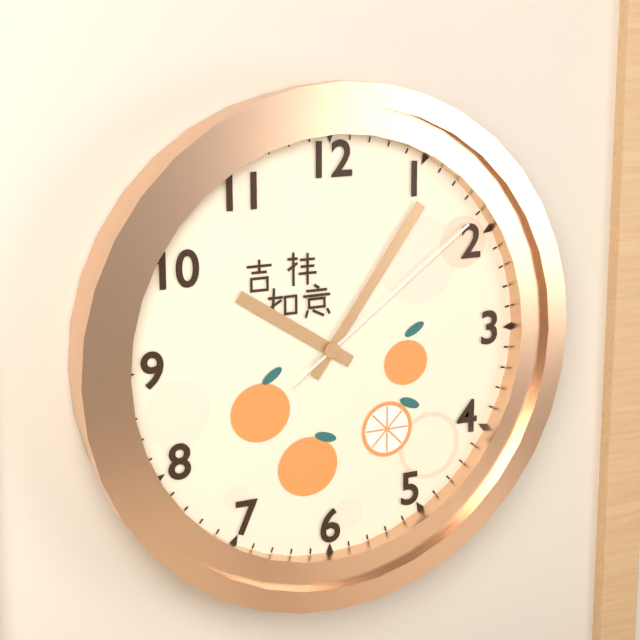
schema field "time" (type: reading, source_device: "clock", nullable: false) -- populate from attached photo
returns 10:06:09
